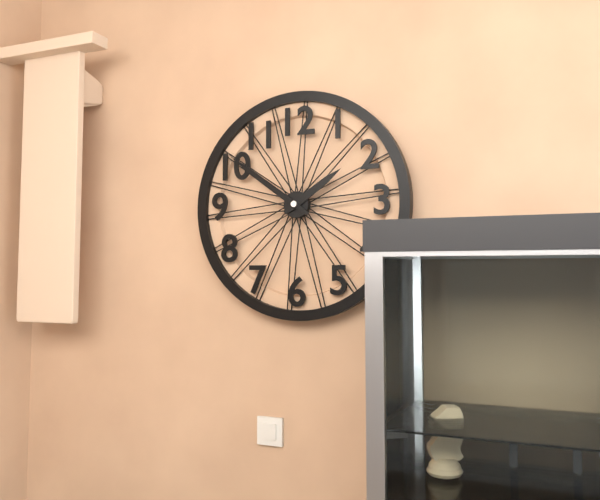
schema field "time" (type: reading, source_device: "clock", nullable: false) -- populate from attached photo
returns 1:51
